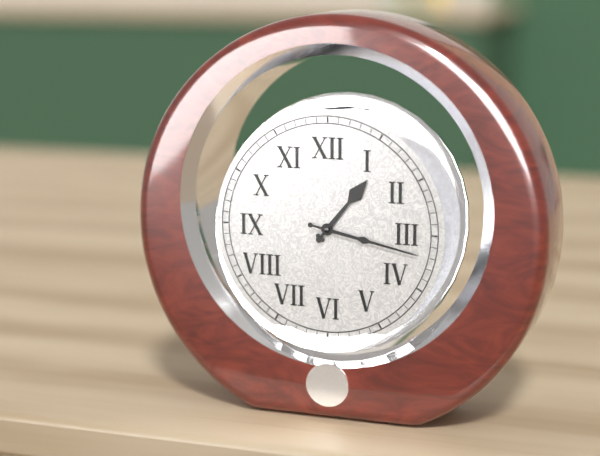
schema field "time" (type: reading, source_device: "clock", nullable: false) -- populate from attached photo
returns 1:17
